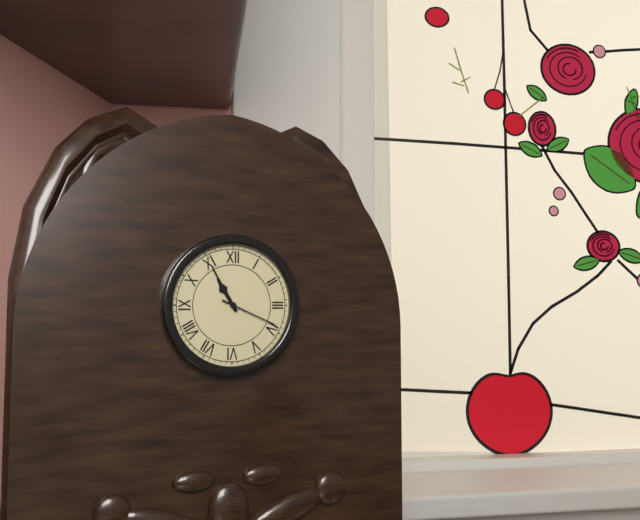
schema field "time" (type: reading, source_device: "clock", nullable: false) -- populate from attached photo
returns 10:55:19
